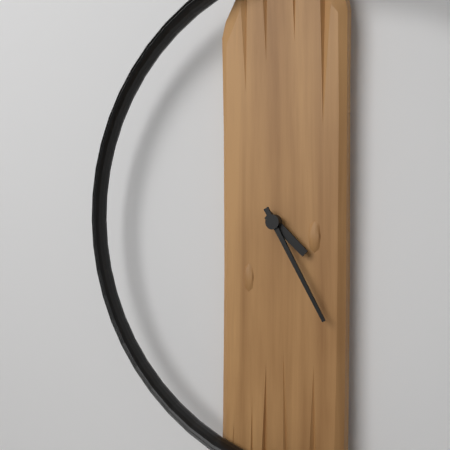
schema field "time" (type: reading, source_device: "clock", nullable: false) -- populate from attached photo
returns 4:25
